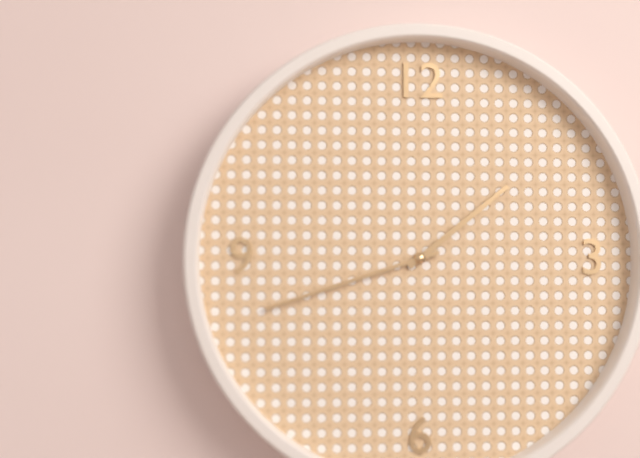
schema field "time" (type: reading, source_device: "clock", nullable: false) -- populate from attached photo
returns 1:42
